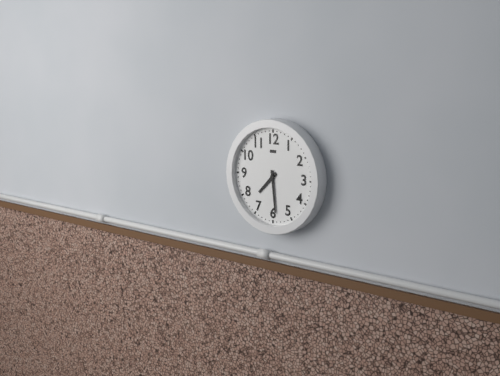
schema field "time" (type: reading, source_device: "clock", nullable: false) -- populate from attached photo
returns 7:29
